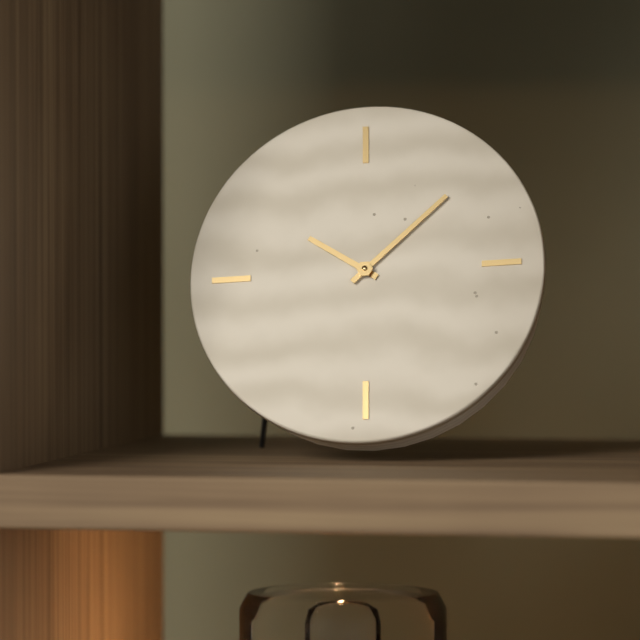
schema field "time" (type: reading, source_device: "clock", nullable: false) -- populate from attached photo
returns 10:08
